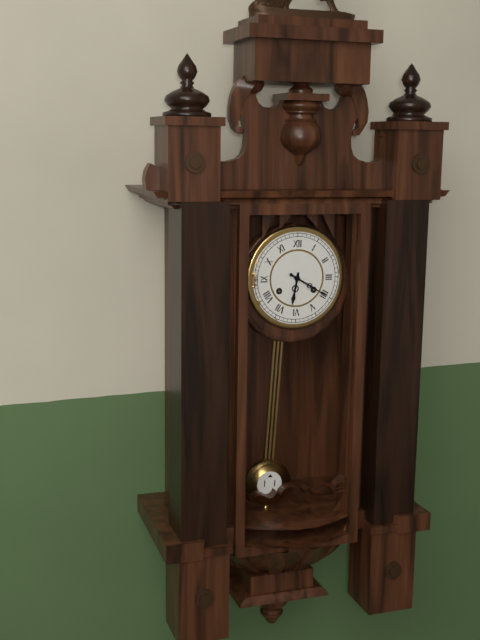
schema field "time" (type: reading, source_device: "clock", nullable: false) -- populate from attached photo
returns 6:20
